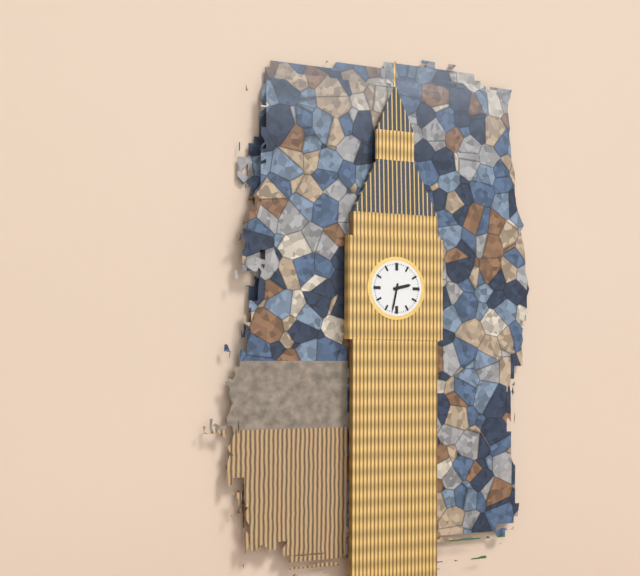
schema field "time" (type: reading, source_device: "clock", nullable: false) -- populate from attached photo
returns 2:32
